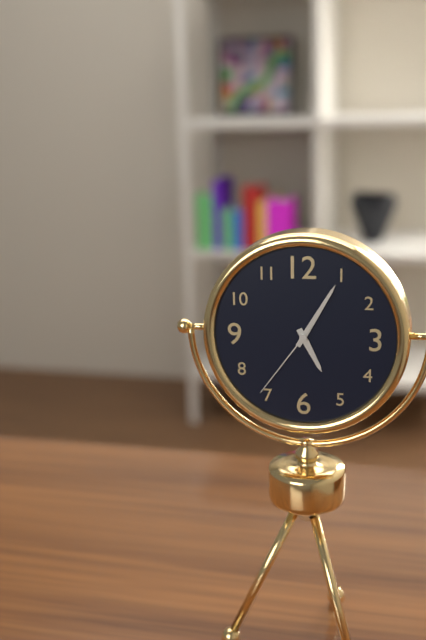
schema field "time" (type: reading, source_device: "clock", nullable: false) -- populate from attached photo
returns 5:05:36
